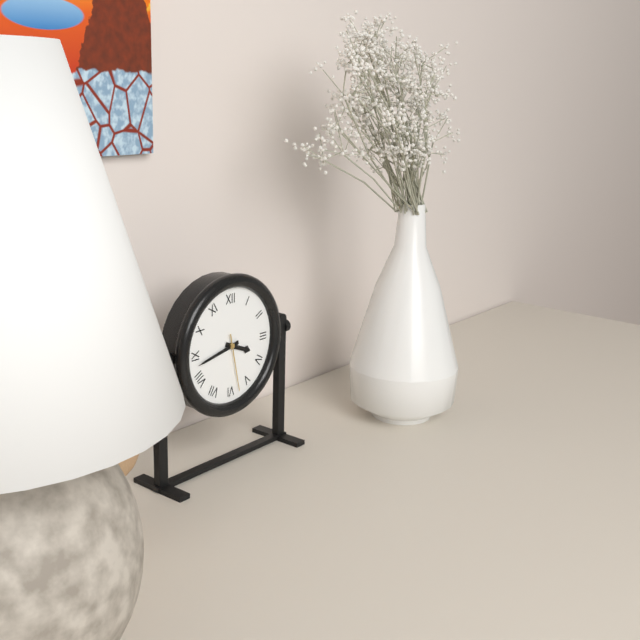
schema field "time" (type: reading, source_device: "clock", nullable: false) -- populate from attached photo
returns 3:43:28
